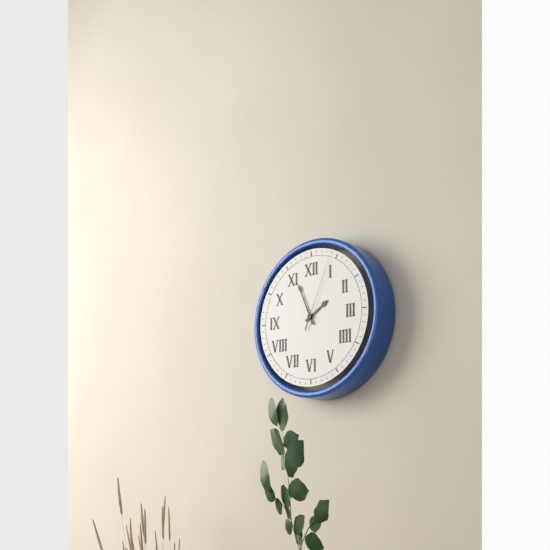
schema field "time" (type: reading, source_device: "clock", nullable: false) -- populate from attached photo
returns 1:56:04
